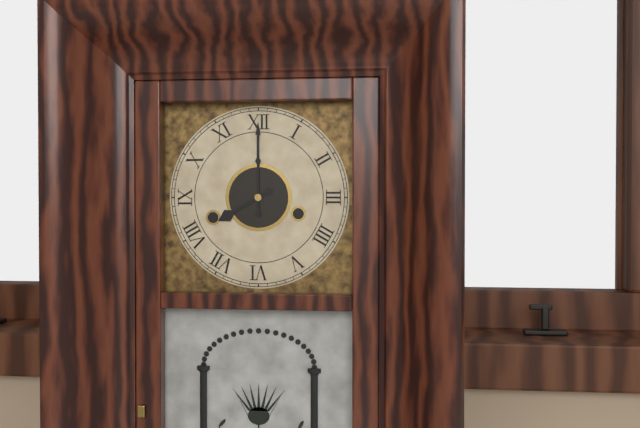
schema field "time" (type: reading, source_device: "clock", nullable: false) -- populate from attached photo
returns 8:00
